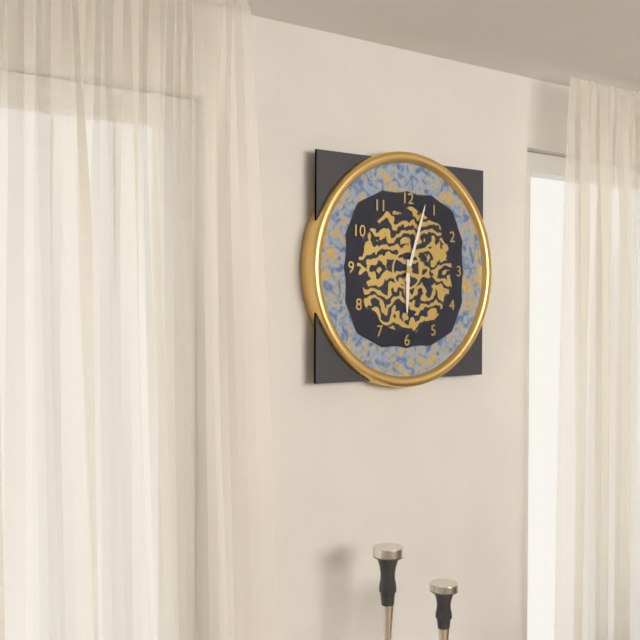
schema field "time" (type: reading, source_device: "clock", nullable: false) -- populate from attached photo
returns 6:03
